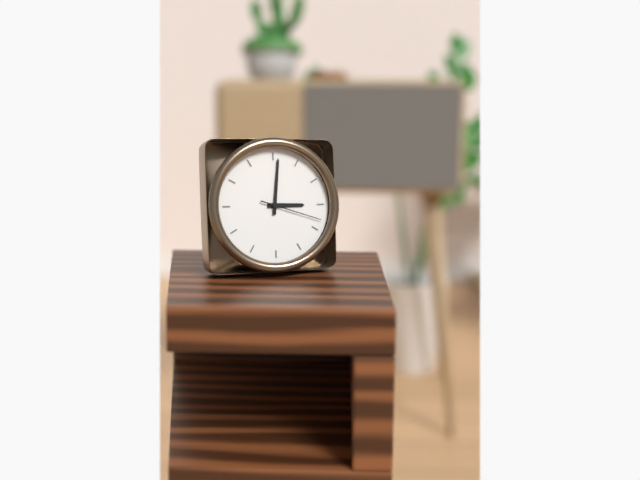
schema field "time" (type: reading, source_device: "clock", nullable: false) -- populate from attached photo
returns 3:01:18
